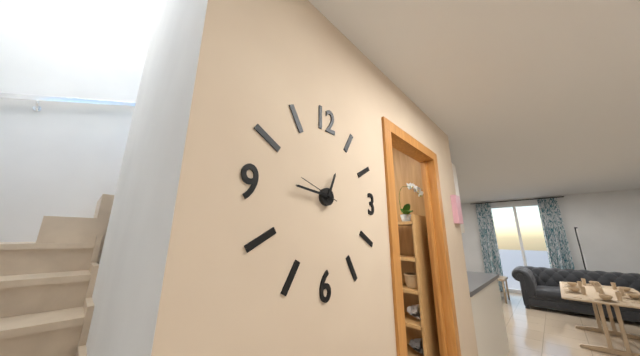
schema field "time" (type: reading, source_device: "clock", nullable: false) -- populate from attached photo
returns 12:46
